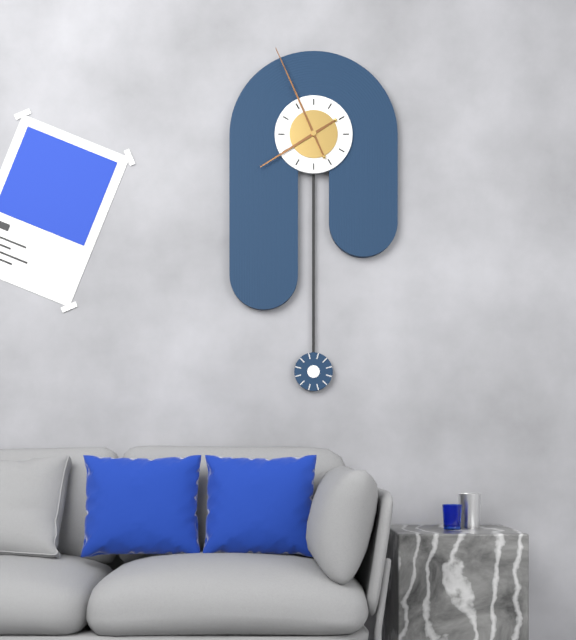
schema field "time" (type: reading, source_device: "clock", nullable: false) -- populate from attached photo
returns 7:56
